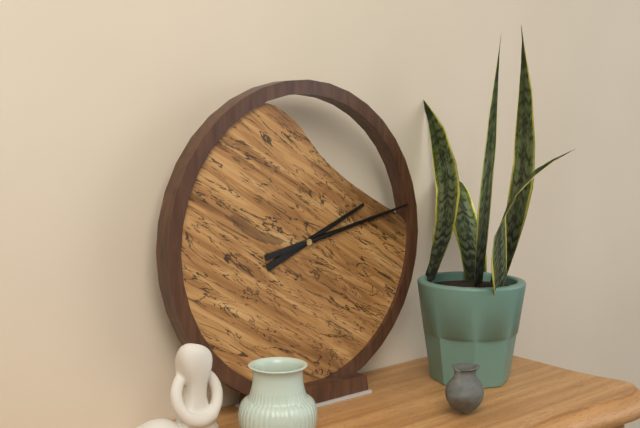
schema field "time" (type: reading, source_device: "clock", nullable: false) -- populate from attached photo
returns 2:13
